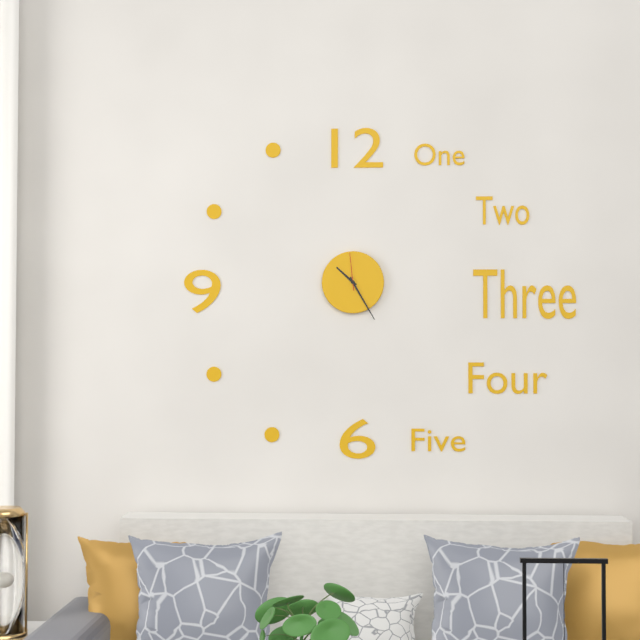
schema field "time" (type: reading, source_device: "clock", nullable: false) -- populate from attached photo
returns 10:25
